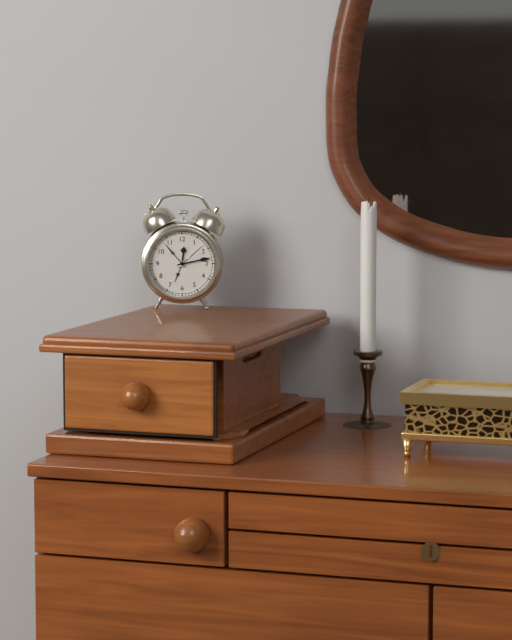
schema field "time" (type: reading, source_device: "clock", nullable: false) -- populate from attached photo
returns 12:13
